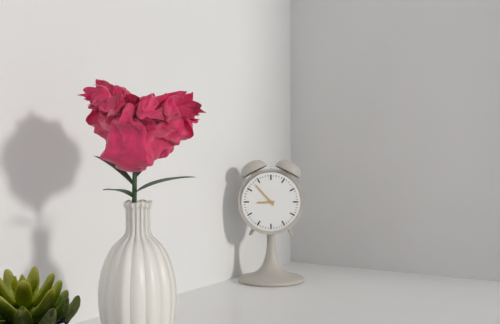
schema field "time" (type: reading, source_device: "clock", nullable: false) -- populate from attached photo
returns 8:53
